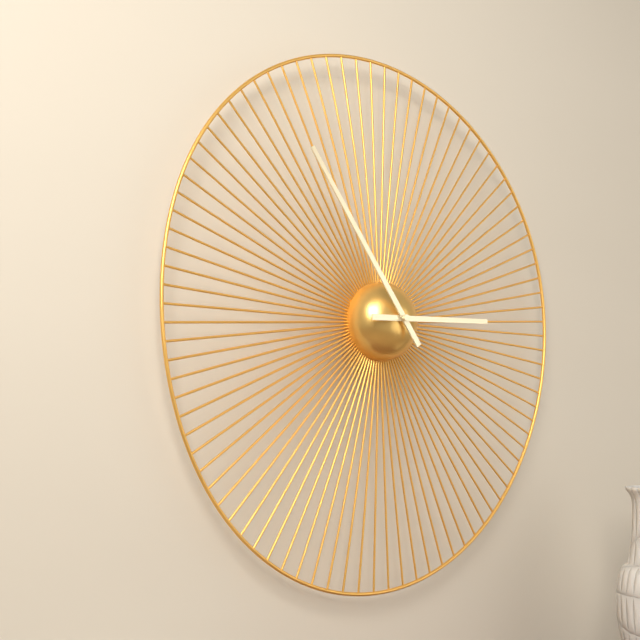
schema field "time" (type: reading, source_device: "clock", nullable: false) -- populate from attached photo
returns 2:54
